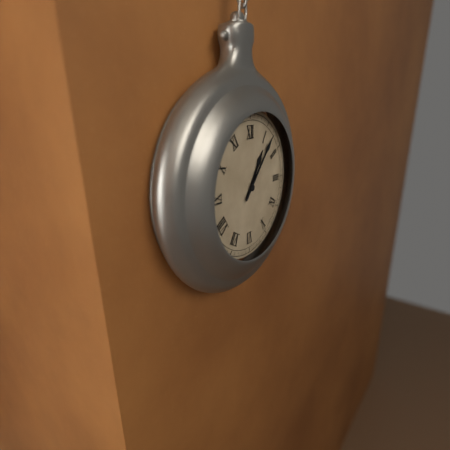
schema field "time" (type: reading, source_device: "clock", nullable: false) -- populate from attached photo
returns 1:07
